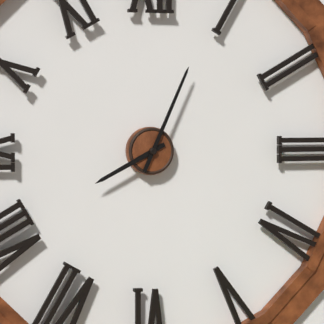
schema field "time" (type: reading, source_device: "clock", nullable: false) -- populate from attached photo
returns 8:04
